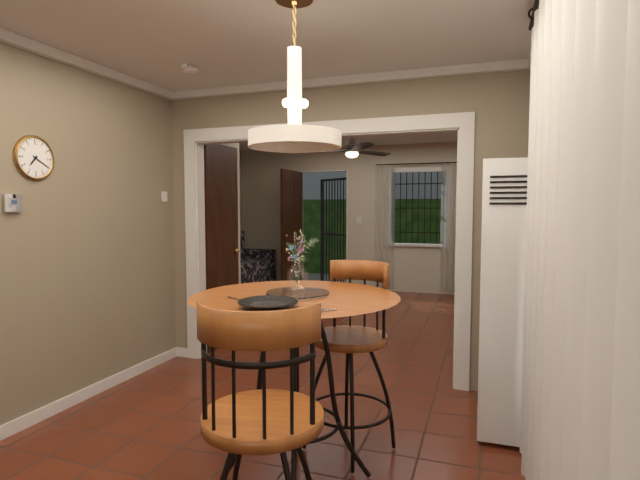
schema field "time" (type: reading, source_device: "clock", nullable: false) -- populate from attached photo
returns 7:20
